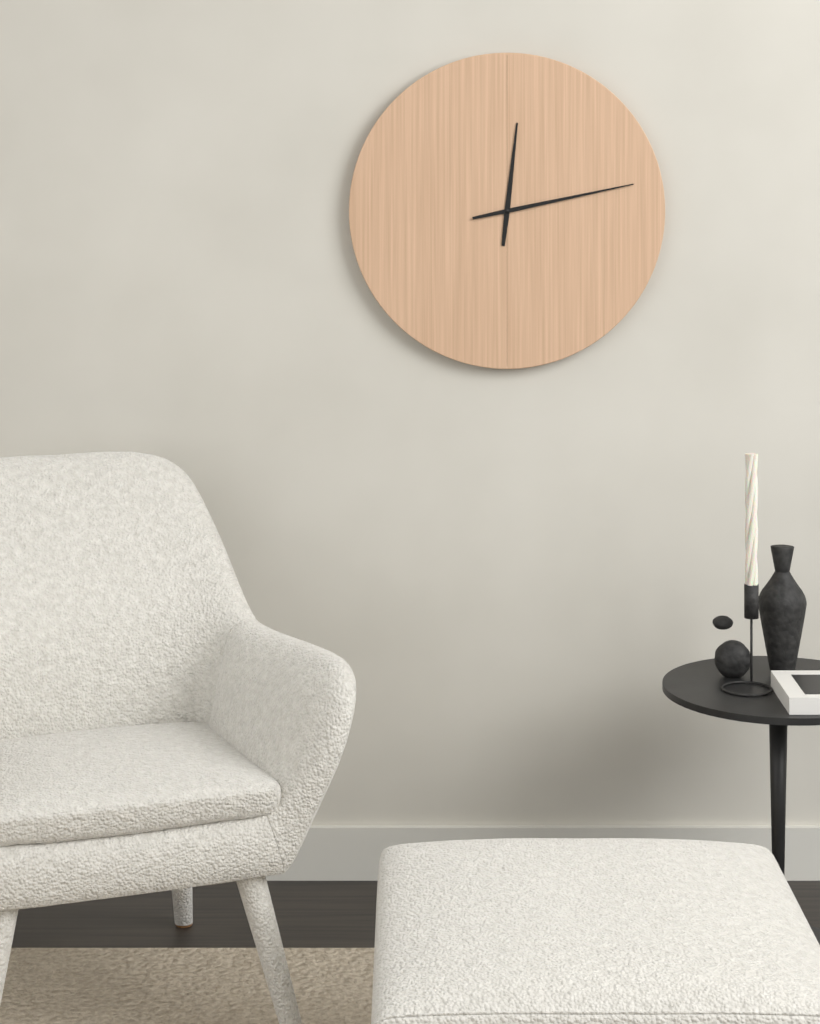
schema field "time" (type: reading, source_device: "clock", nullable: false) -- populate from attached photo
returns 12:13
